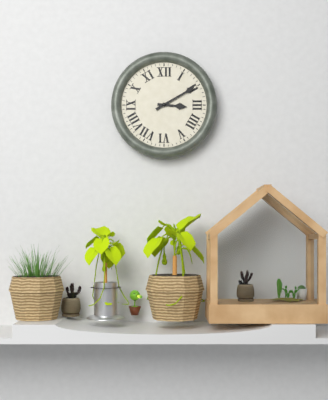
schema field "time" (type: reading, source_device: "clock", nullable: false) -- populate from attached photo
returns 3:10
